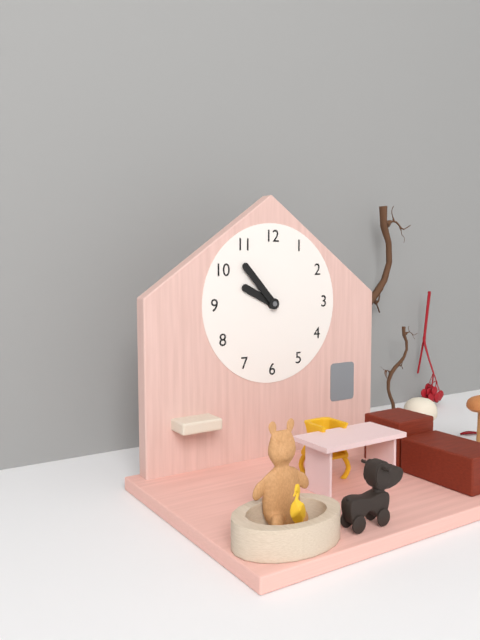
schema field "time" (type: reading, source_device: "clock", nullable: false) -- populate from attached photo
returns 9:53
